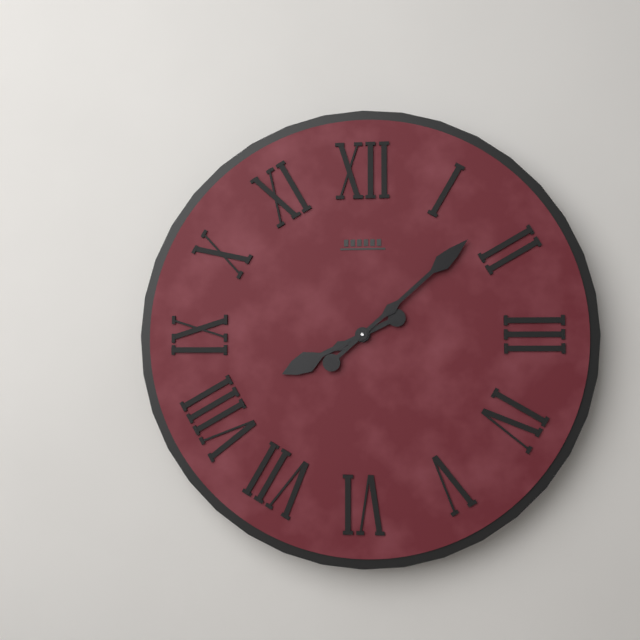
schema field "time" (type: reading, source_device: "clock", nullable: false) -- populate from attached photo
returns 8:08
